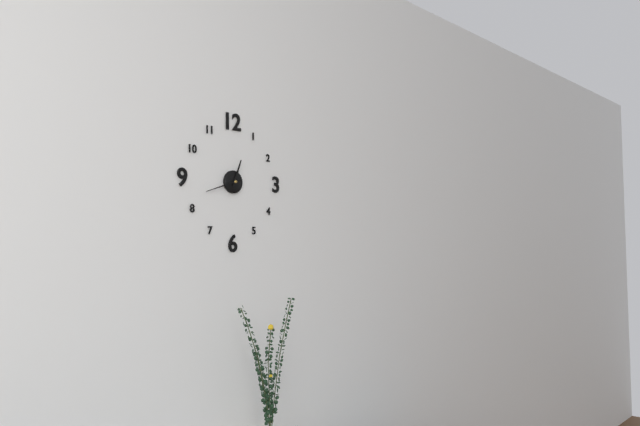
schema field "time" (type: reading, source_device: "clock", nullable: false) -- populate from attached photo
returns 12:42
